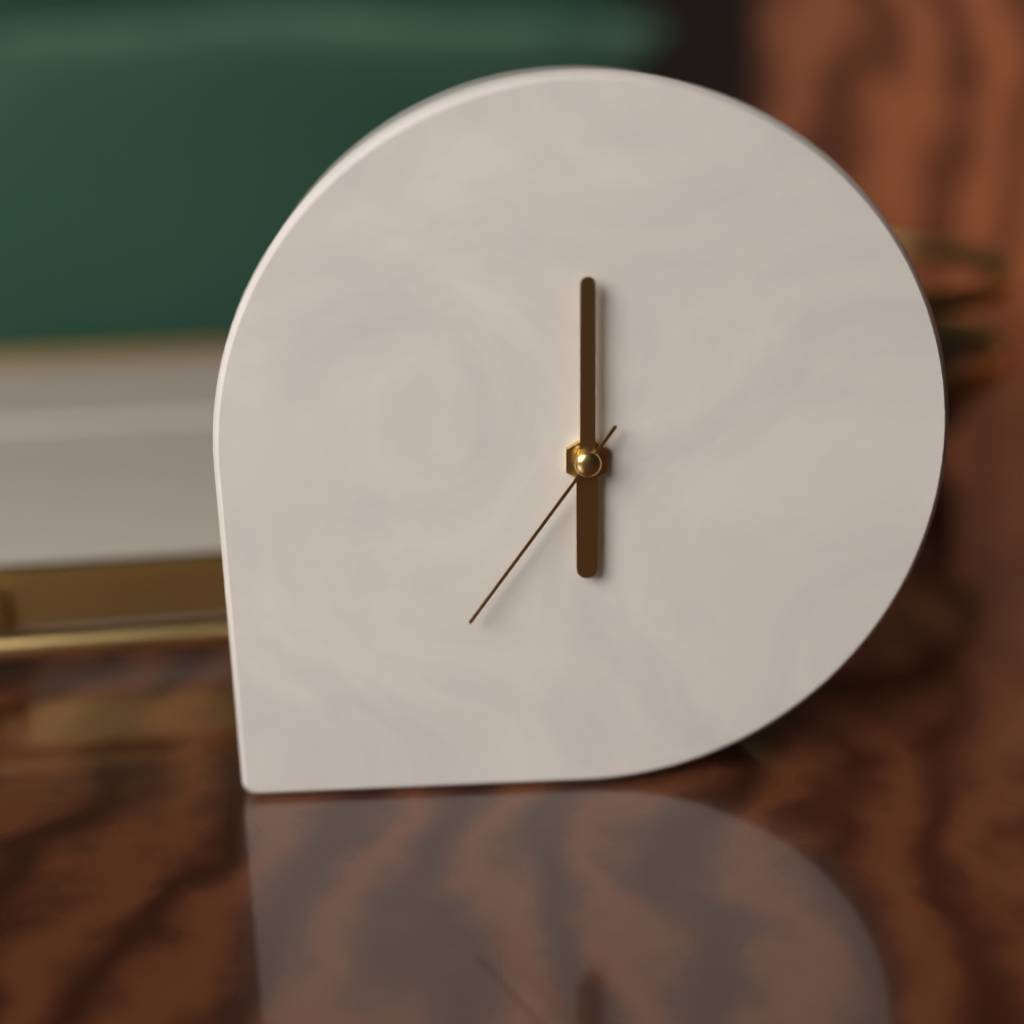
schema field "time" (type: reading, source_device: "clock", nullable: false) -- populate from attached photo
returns 6:00:36
